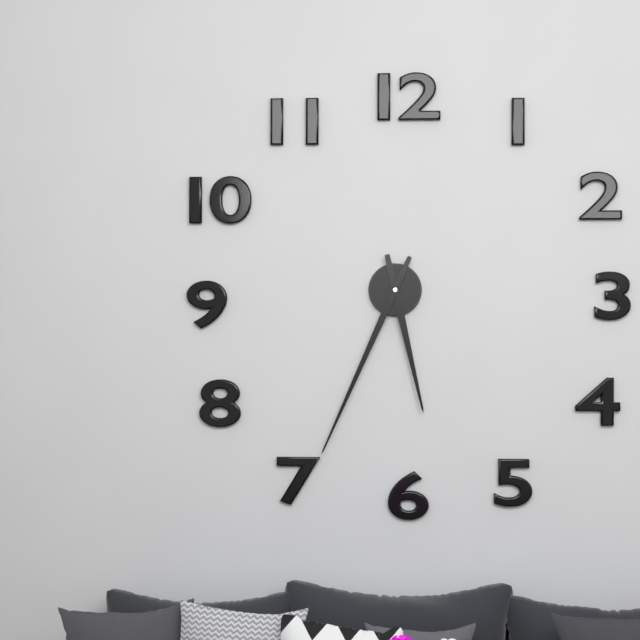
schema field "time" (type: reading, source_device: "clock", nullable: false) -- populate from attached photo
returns 5:34
